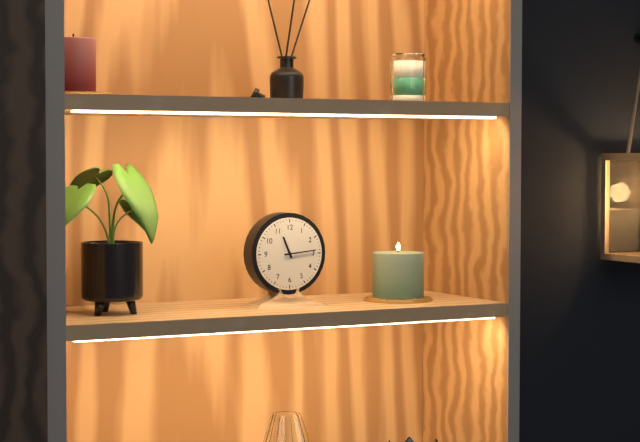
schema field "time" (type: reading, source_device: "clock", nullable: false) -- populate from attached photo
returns 11:14
